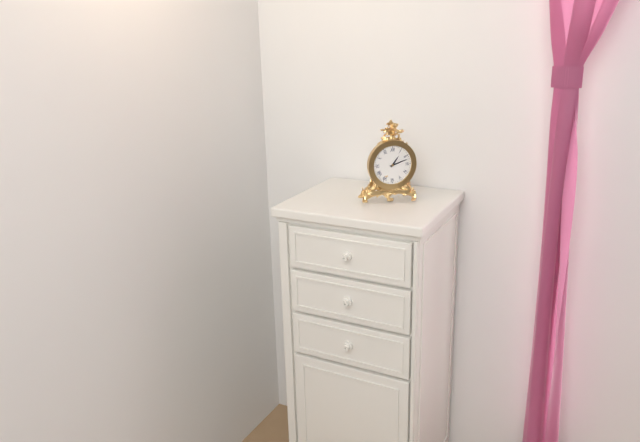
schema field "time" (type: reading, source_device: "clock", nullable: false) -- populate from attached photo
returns 1:12
